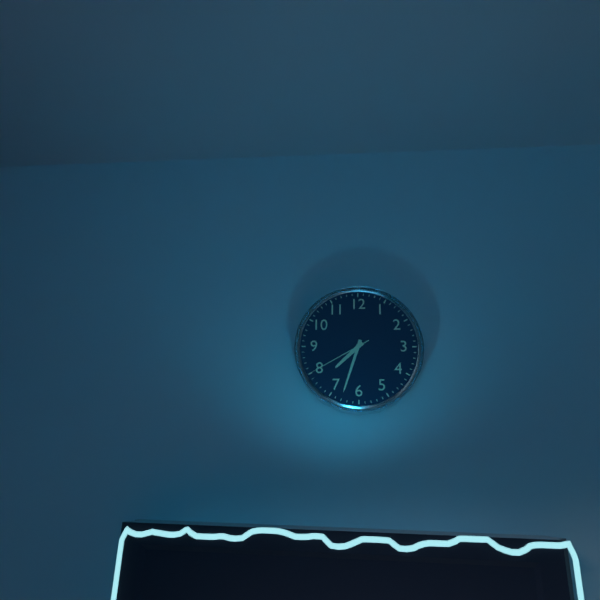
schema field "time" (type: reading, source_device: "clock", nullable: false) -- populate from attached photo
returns 7:33:40
